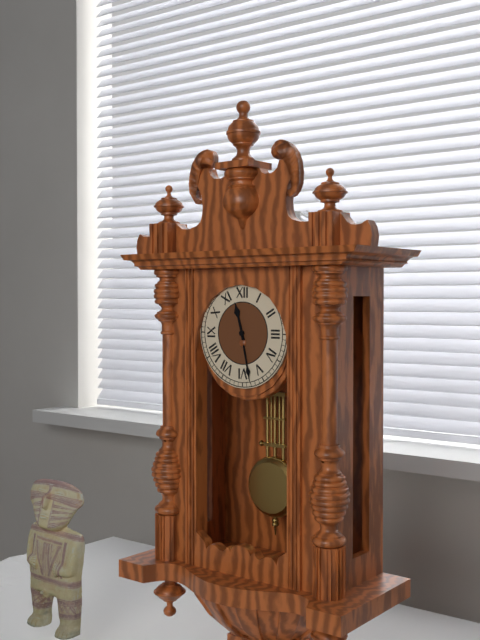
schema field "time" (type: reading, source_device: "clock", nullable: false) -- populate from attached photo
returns 11:28
